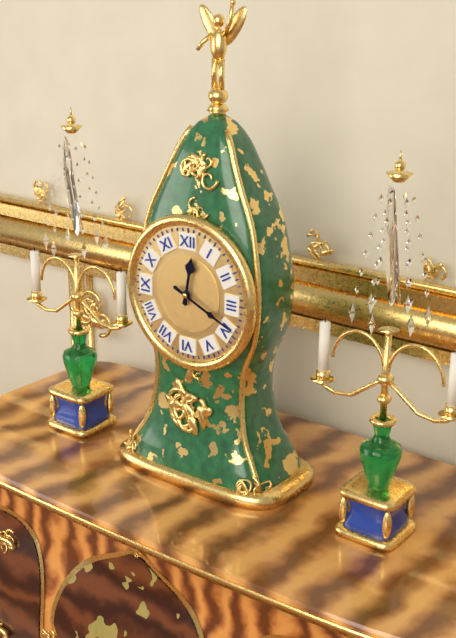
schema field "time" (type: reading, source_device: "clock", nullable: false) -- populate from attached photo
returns 12:19
